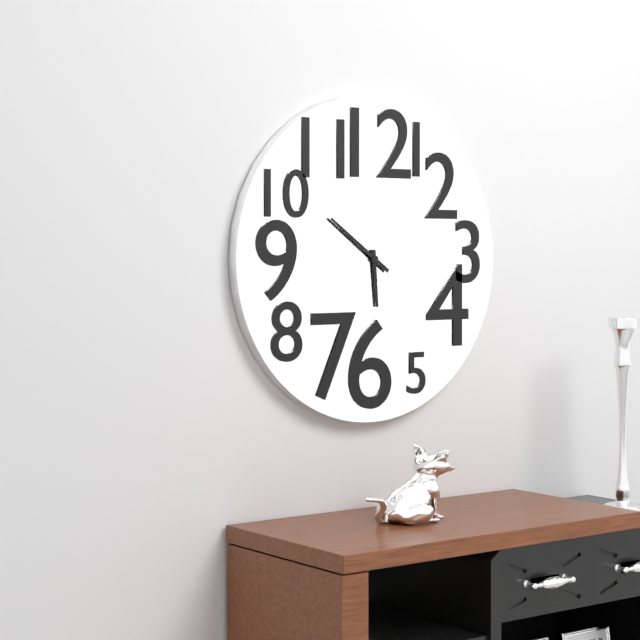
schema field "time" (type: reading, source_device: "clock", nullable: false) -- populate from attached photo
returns 5:51
